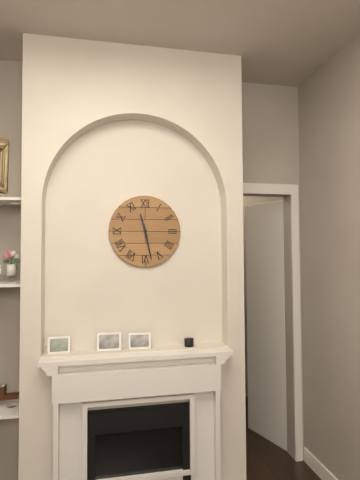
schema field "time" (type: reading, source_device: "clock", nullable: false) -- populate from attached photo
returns 11:28
